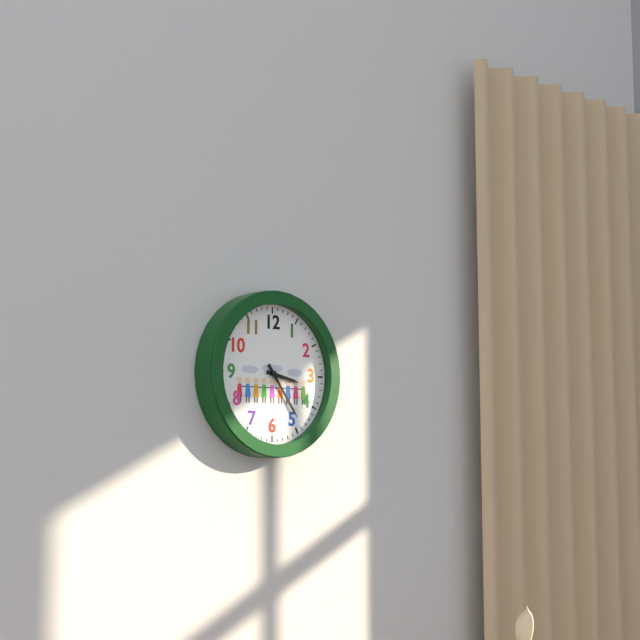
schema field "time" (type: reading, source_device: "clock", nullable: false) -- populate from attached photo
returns 3:24
